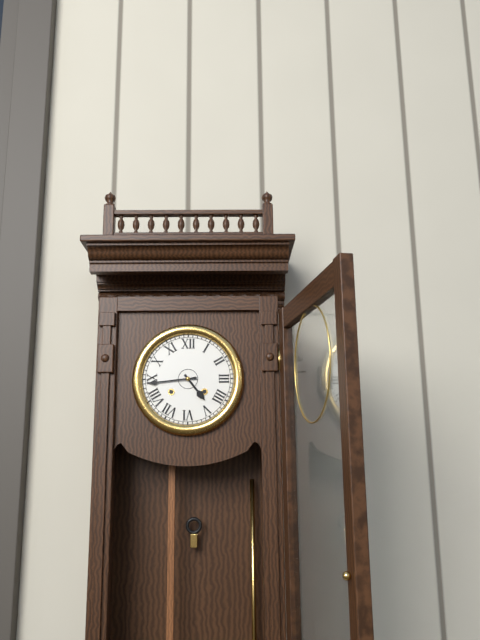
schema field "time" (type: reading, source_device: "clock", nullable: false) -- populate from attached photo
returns 4:44
